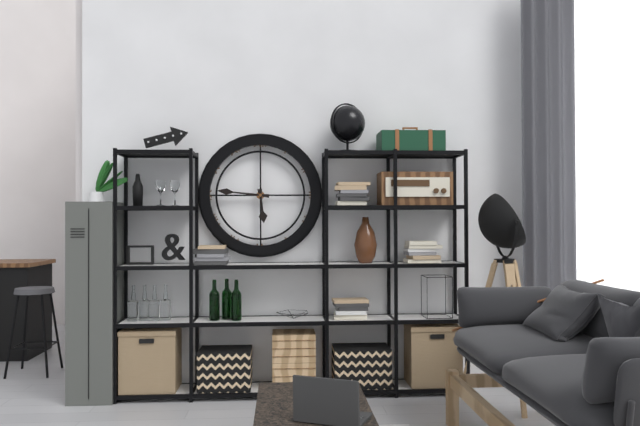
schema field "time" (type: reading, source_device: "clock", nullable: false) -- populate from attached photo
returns 5:46
